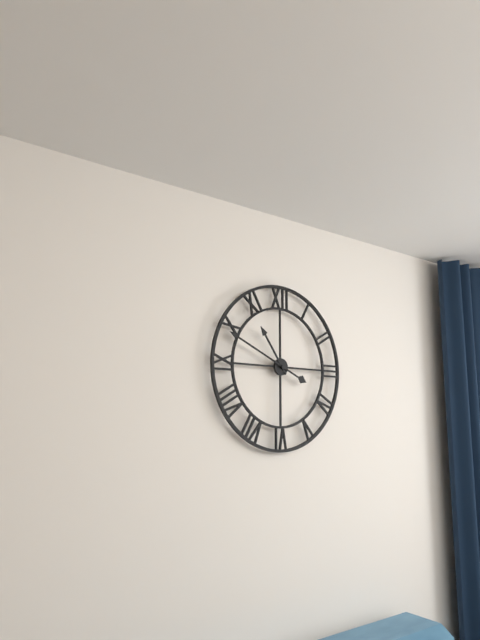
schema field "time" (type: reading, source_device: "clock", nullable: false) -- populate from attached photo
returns 10:49
